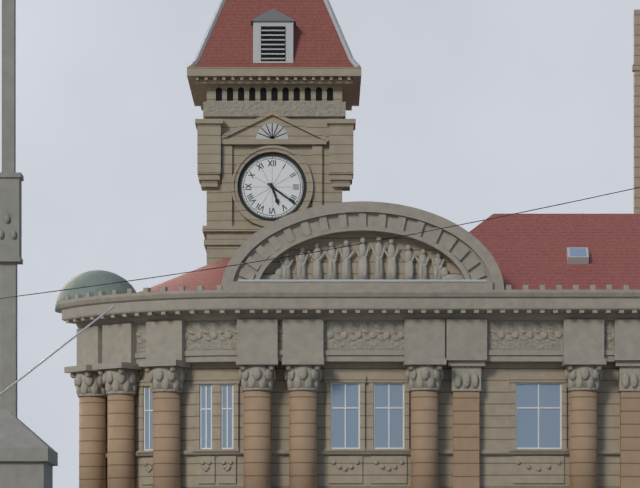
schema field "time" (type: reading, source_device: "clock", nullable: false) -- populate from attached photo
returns 5:21
